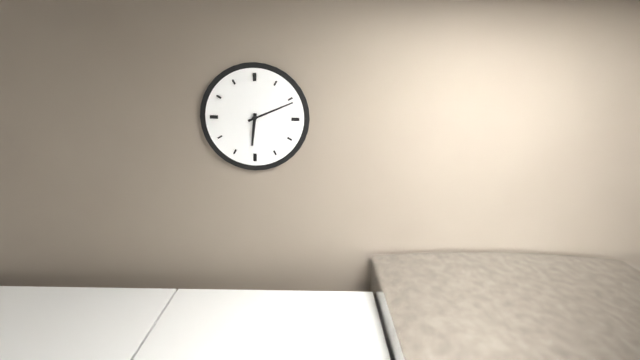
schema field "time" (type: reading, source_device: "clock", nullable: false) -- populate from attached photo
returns 6:11
